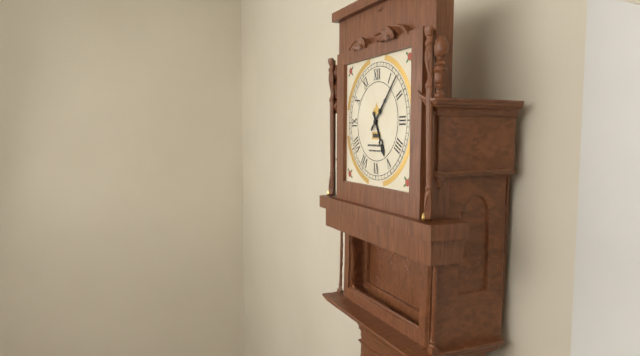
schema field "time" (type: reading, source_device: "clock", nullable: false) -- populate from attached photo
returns 5:07
